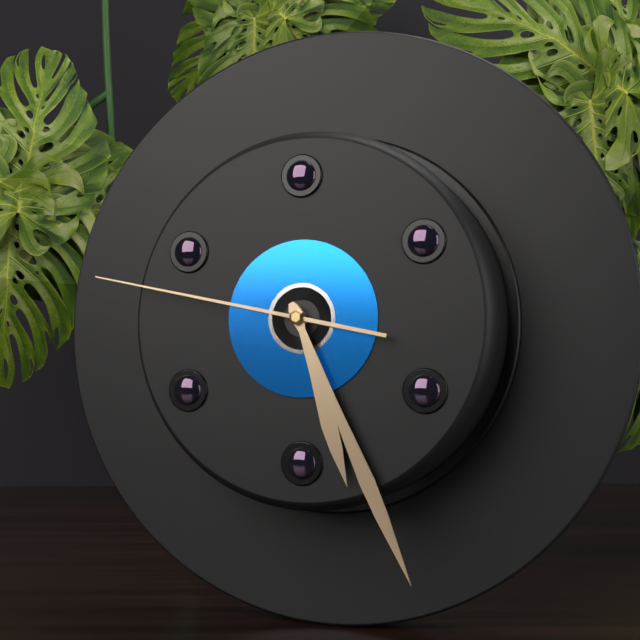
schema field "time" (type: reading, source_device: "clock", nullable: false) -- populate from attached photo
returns 5:26:47
